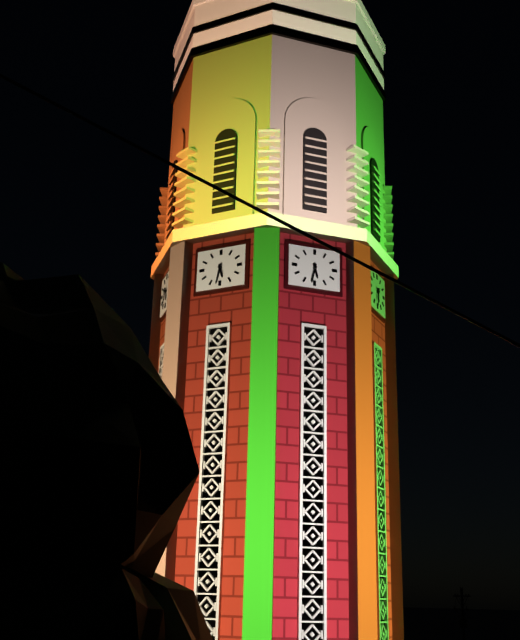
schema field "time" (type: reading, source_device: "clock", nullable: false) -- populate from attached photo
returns 5:32
